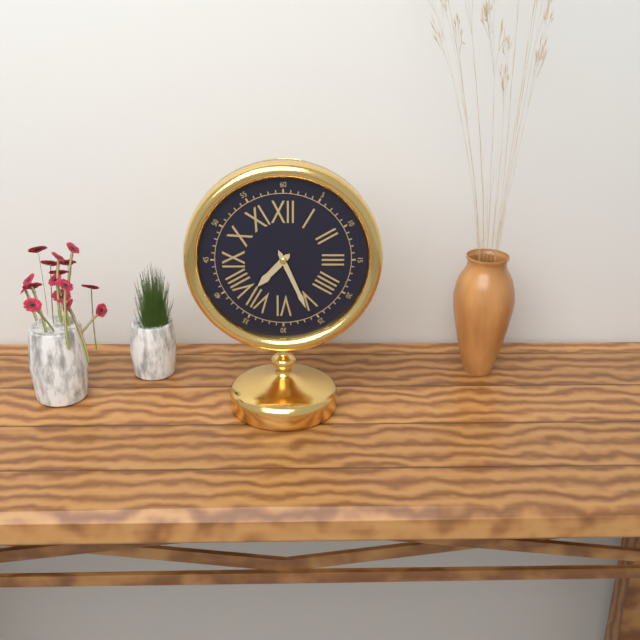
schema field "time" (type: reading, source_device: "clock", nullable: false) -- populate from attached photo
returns 7:26
